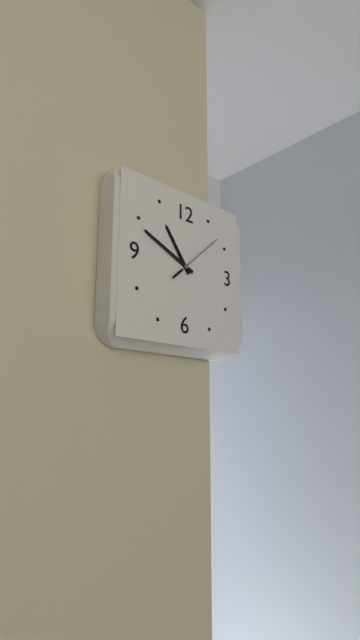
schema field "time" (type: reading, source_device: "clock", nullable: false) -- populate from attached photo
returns 10:49:08
